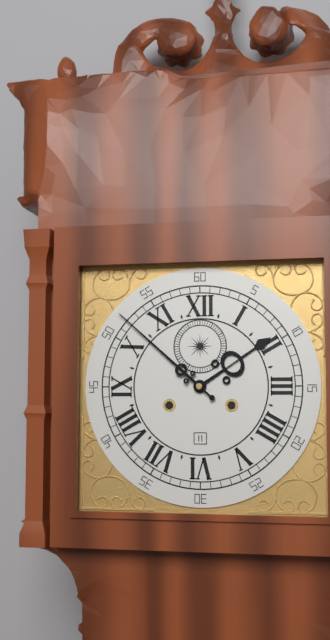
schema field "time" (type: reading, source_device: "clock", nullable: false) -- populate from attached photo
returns 1:52
